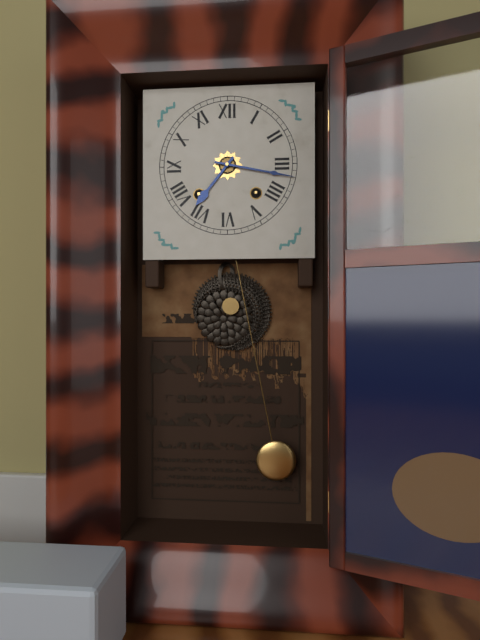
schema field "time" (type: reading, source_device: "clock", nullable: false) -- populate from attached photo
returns 7:17
